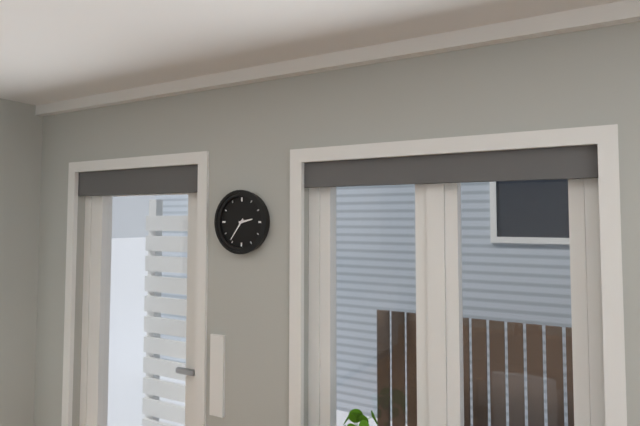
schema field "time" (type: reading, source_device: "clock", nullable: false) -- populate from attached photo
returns 2:36
